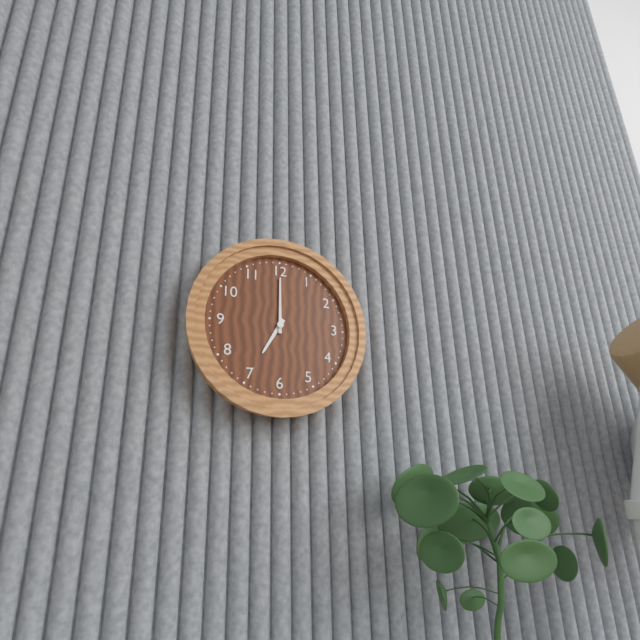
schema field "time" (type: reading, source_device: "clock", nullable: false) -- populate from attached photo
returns 7:00
